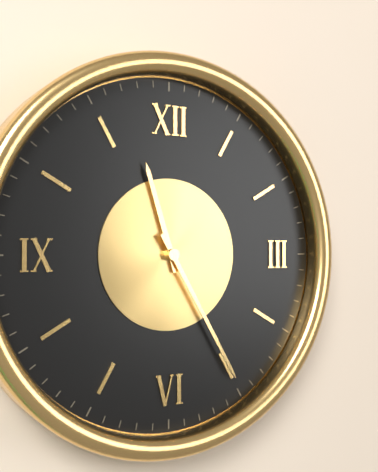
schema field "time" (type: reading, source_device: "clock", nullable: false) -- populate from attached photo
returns 11:25
